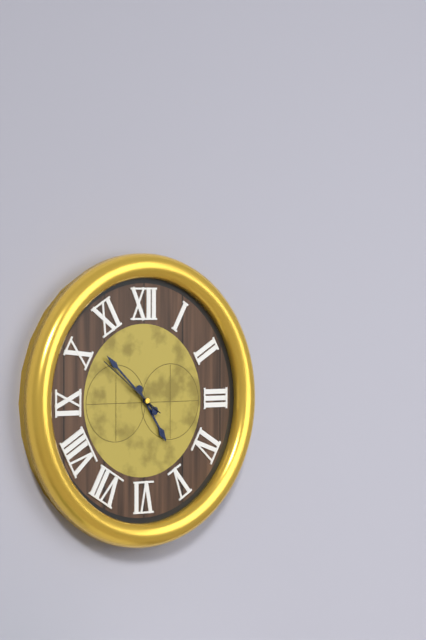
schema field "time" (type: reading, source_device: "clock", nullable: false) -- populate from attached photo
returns 4:52:51
